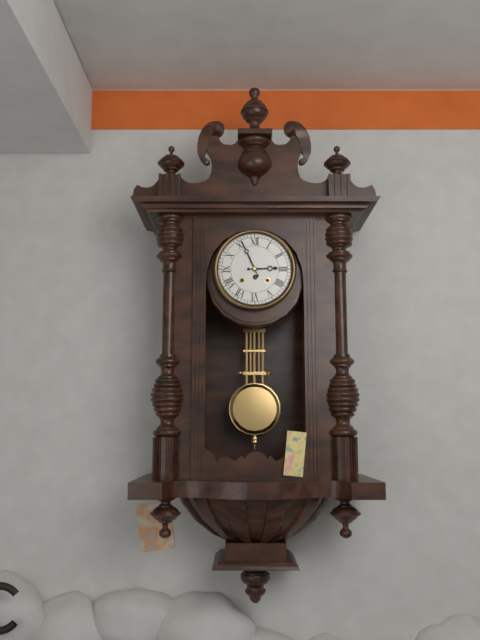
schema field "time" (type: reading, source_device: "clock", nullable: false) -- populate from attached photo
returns 2:56
